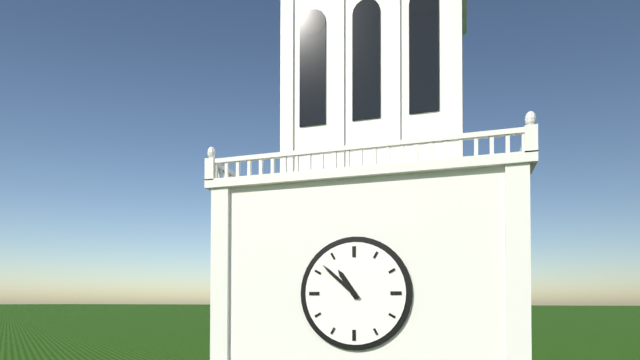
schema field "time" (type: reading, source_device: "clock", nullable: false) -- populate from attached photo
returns 10:52
